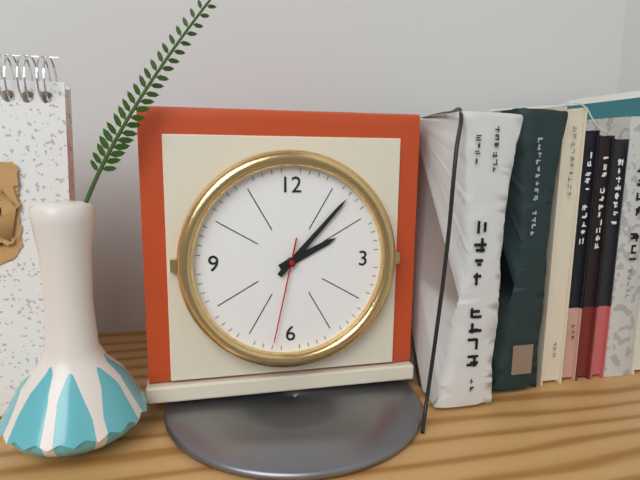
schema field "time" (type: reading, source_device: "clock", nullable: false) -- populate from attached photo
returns 2:07:32
